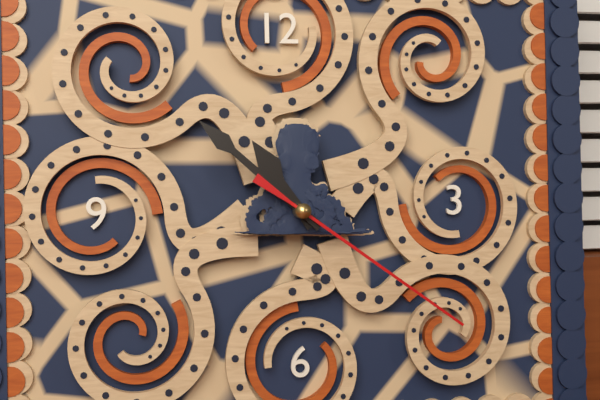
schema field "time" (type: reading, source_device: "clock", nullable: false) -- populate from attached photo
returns 10:52:21
